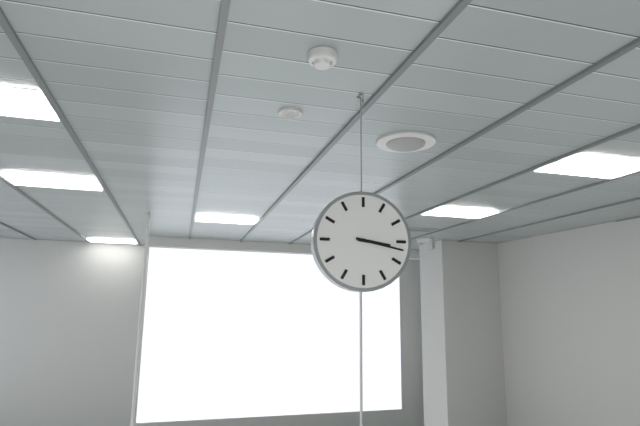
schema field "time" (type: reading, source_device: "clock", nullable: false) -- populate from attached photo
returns 3:17
